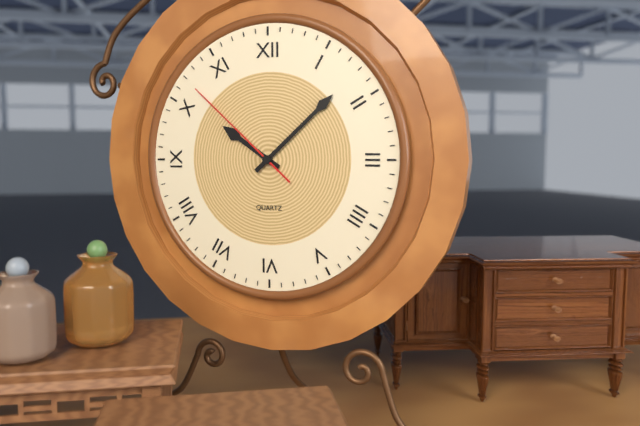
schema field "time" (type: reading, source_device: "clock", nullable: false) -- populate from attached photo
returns 10:08:52
